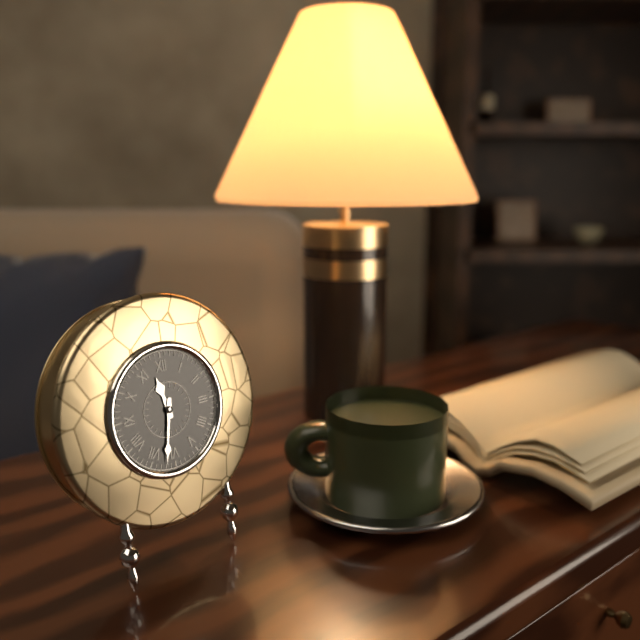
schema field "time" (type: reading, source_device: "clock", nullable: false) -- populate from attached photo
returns 11:32
